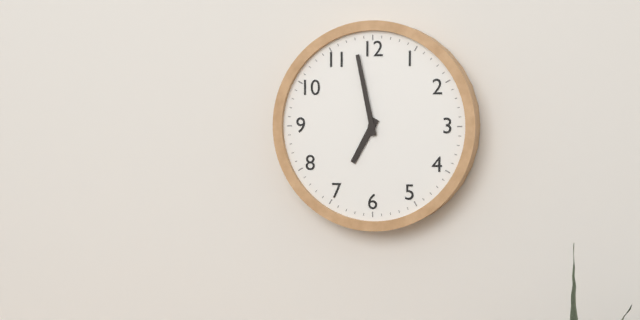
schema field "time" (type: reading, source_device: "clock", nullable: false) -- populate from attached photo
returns 6:58
